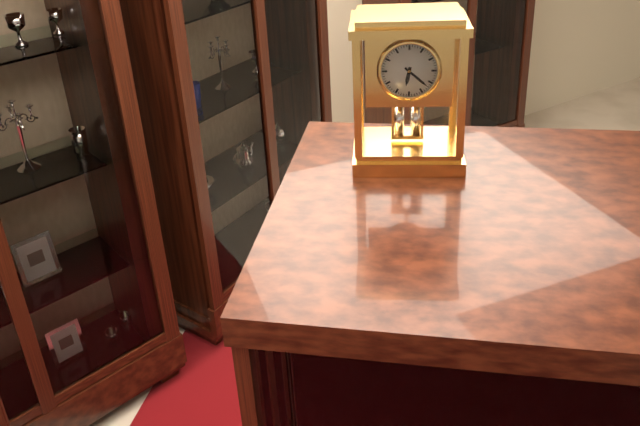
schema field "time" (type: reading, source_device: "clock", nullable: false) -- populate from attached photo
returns 6:22
